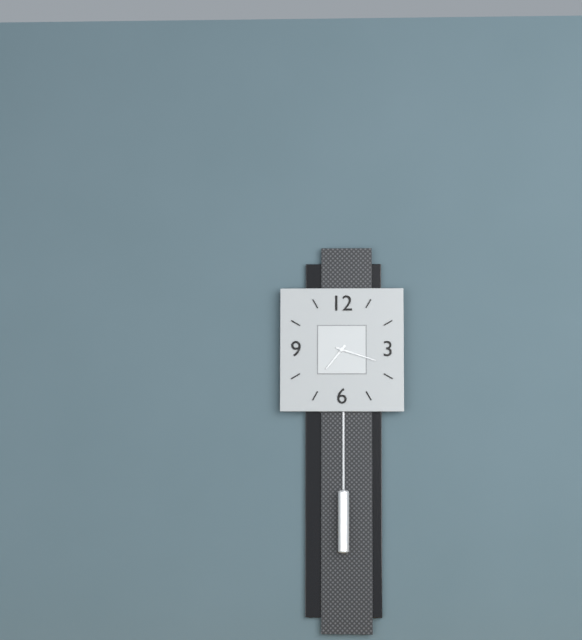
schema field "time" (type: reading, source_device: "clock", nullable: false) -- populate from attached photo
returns 7:18
